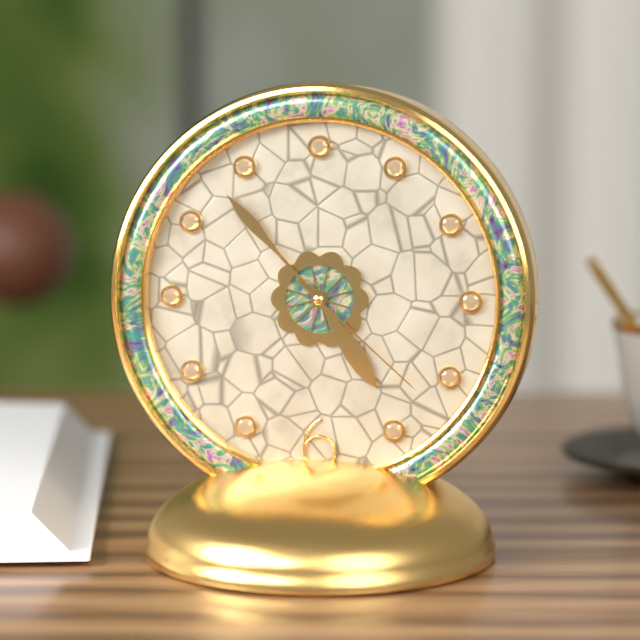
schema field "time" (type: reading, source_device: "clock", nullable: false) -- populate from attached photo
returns 4:53:22
